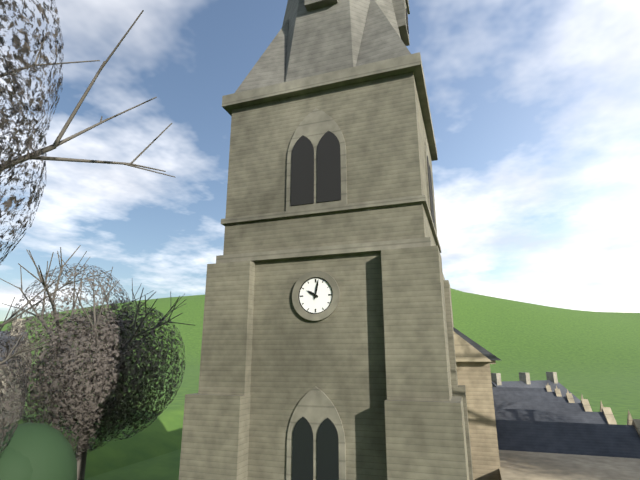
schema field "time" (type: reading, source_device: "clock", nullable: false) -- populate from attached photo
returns 10:02
